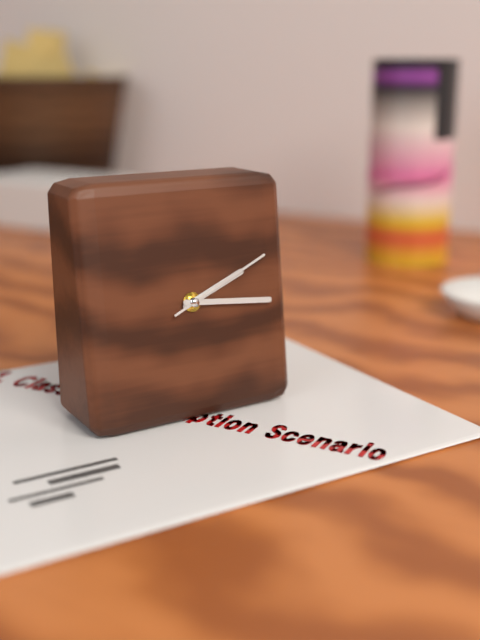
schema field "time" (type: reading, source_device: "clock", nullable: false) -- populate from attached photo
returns 2:16:11
